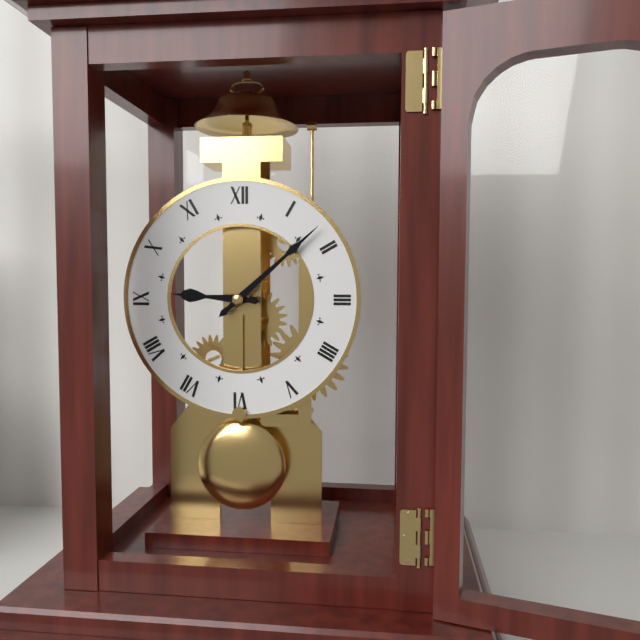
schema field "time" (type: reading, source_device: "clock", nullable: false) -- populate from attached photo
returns 9:08
